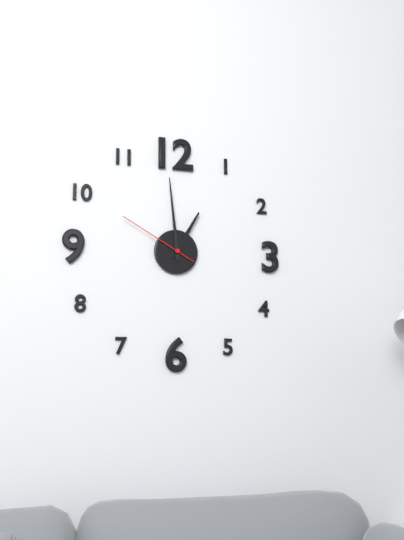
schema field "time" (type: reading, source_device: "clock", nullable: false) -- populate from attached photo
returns 12:59:50
